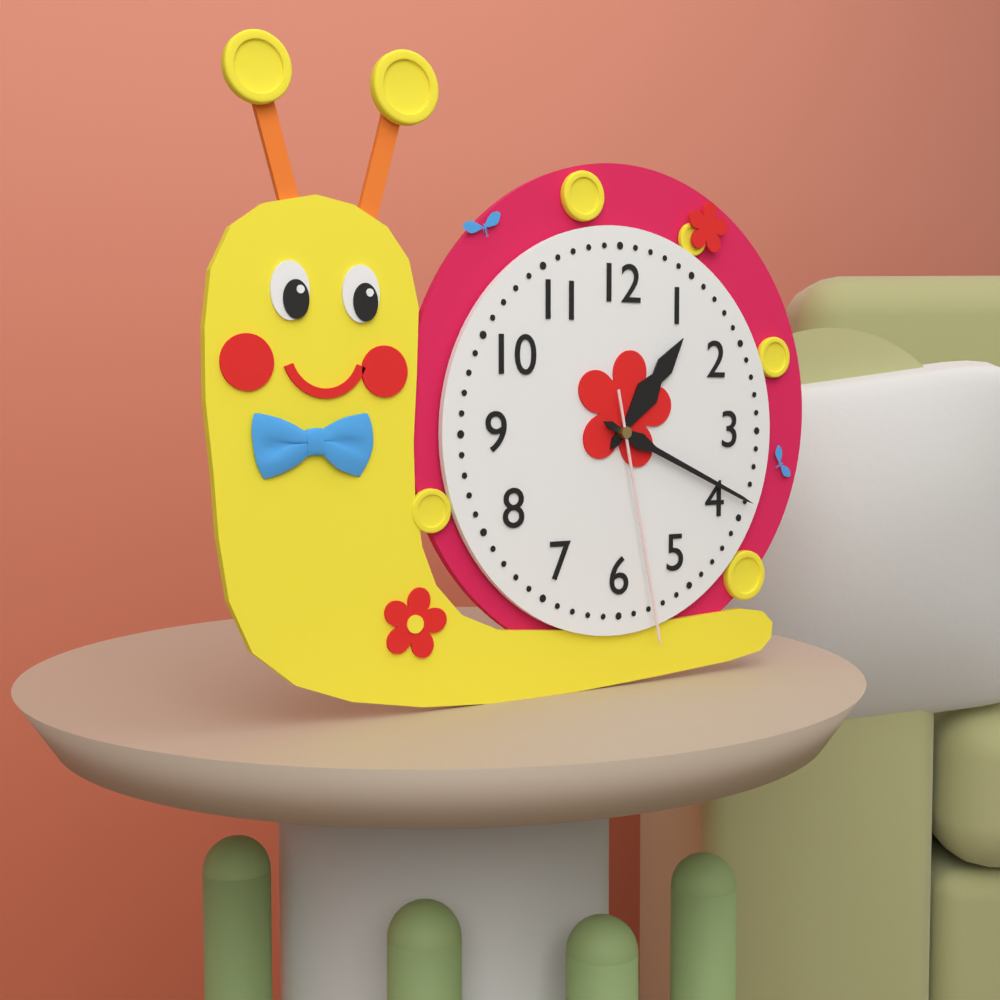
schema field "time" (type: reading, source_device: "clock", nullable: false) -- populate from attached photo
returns 1:19:28
